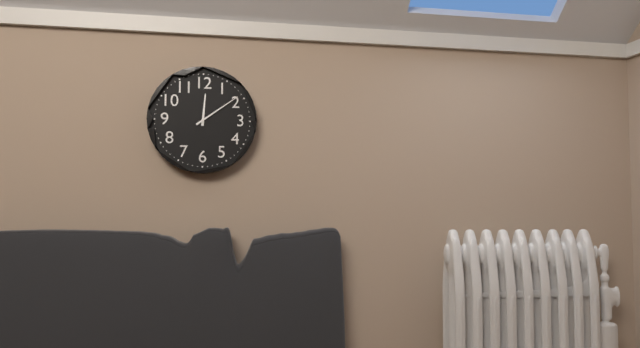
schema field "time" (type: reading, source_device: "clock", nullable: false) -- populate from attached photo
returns 12:09
